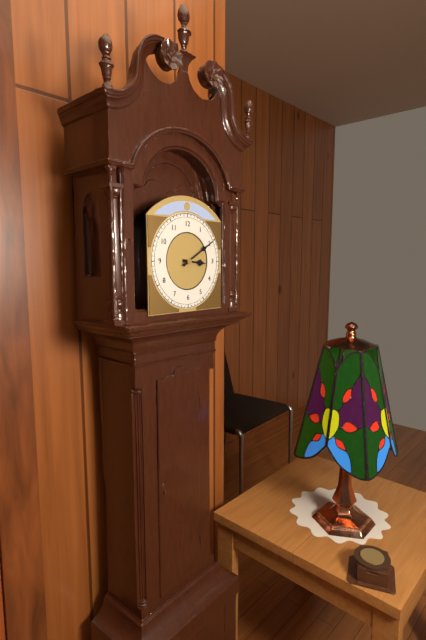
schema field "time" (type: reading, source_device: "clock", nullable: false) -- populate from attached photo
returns 3:10
